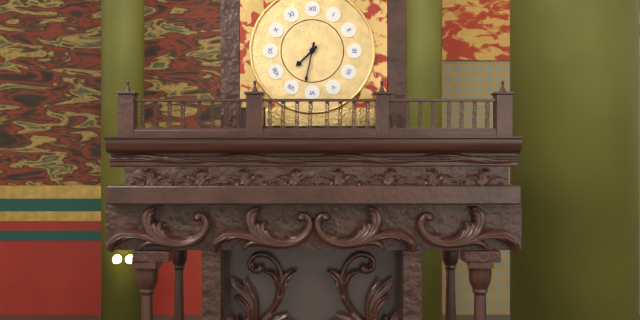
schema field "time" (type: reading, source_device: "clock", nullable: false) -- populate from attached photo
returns 7:32
